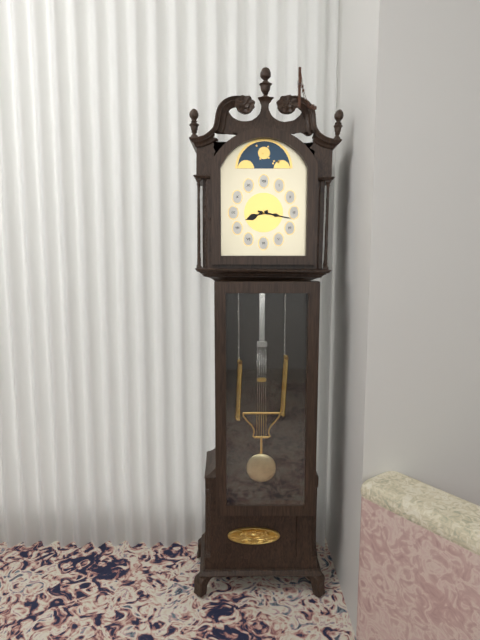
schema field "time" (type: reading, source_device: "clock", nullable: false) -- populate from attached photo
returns 8:17
